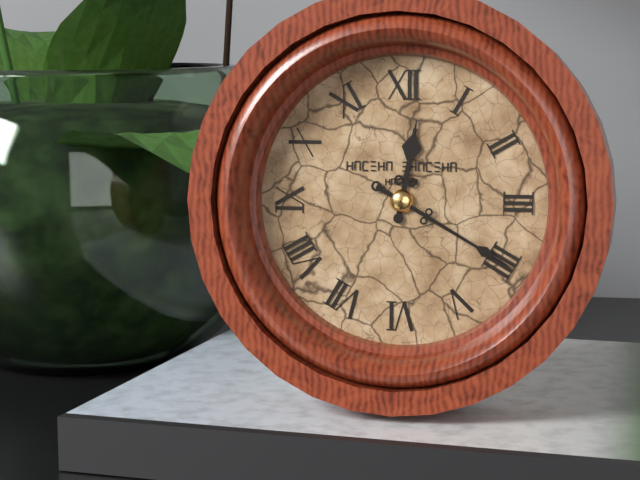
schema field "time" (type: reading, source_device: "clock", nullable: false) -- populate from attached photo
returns 12:20
